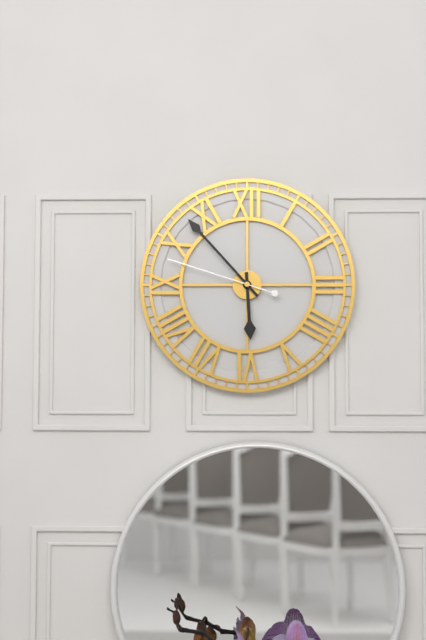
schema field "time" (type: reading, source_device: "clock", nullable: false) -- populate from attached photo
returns 5:53:48
